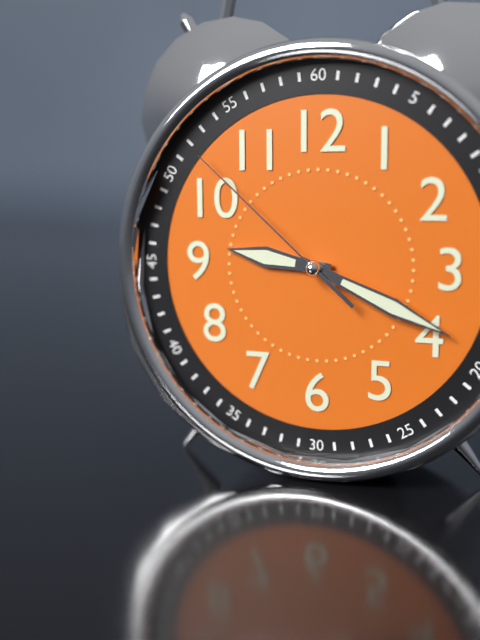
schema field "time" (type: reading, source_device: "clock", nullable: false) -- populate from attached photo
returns 9:19:52
